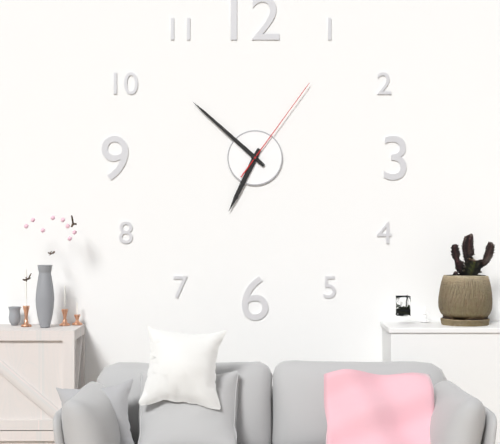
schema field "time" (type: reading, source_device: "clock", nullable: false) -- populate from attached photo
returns 6:52:06
